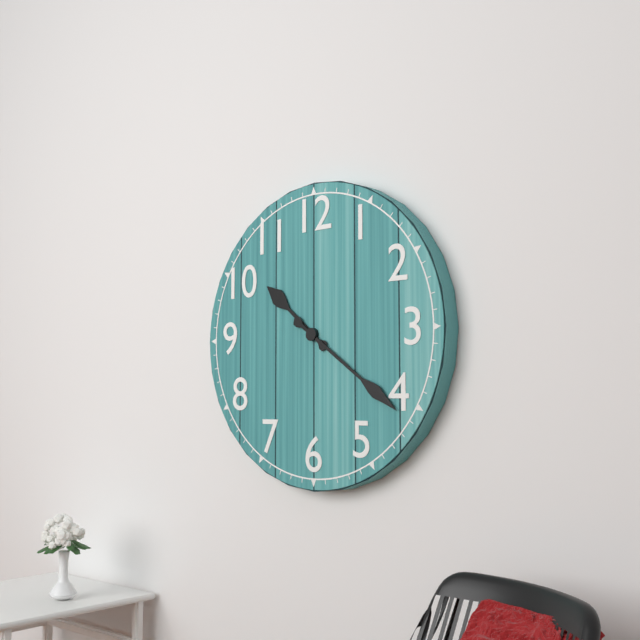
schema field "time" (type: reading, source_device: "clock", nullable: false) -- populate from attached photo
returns 10:21
